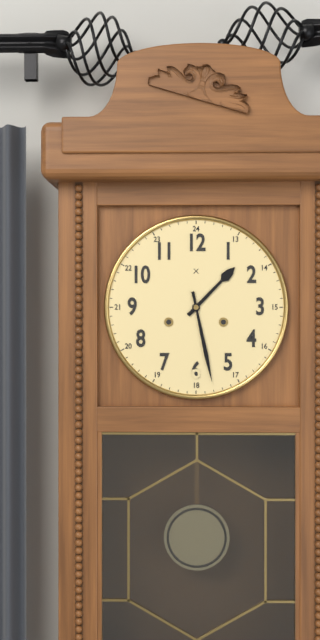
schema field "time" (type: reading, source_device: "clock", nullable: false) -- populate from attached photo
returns 1:28
